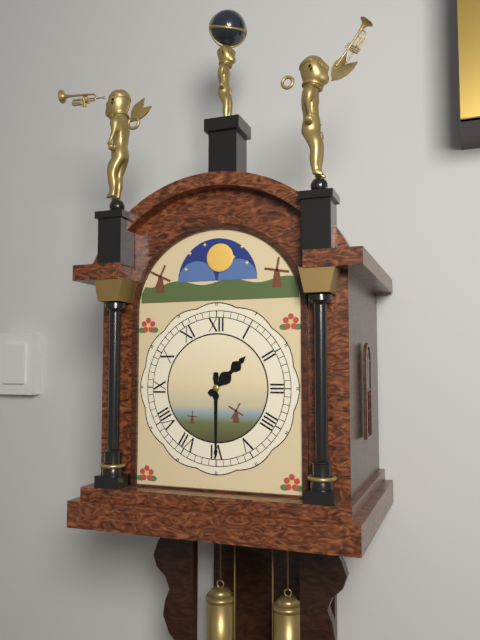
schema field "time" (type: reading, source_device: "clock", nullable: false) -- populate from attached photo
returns 1:30
